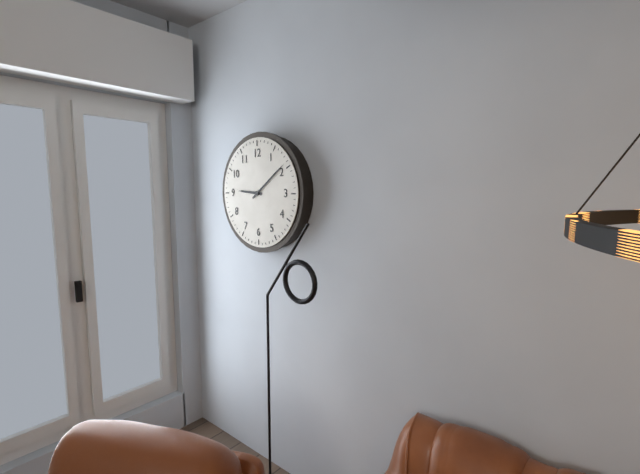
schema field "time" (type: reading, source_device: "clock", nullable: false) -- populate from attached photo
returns 9:09
